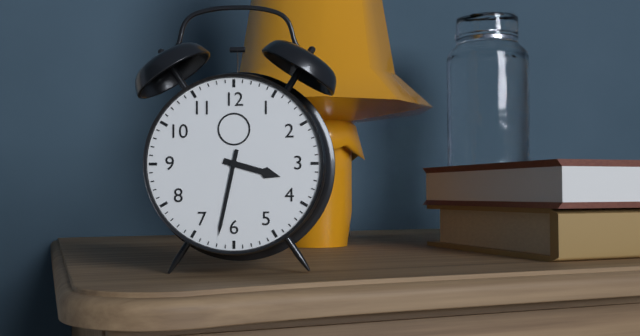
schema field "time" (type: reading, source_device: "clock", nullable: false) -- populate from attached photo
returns 3:32
